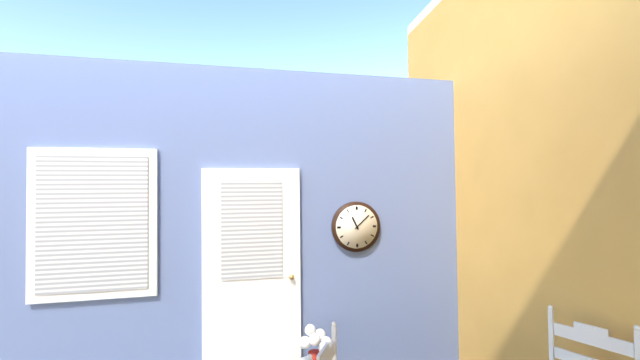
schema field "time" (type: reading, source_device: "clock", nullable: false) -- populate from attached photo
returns 11:08
